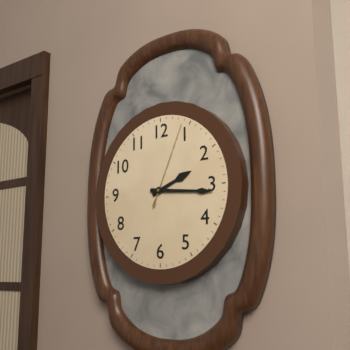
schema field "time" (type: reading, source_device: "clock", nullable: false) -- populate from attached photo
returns 2:16:04
